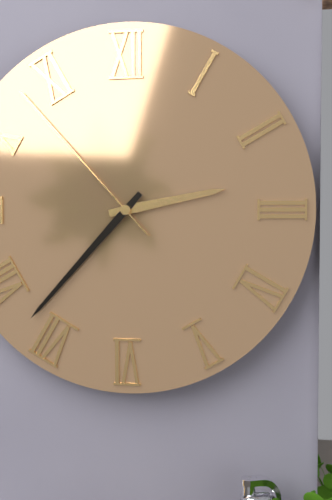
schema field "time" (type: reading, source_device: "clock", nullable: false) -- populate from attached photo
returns 2:37:53
